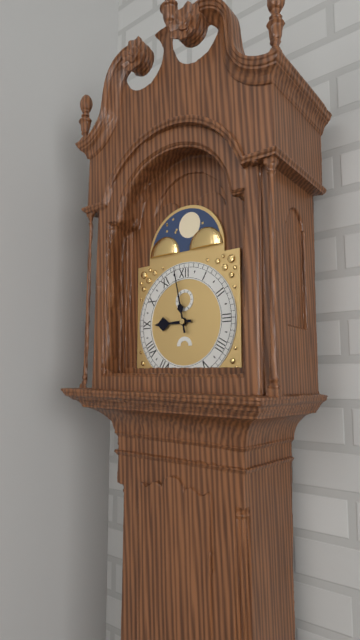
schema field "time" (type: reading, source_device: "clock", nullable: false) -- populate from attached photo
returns 8:58
